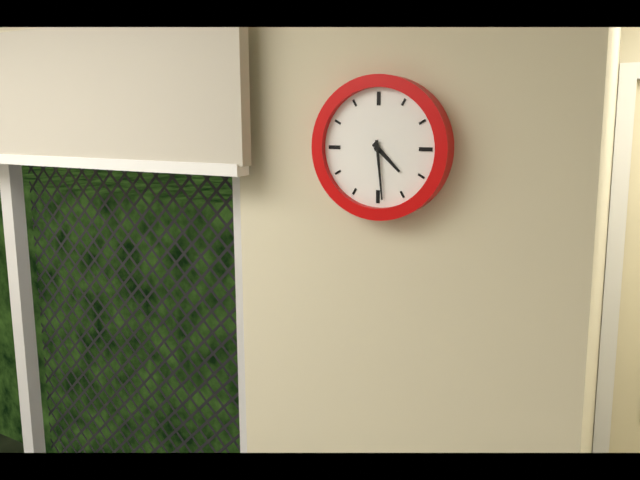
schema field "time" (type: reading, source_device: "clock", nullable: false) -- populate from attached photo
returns 4:29
